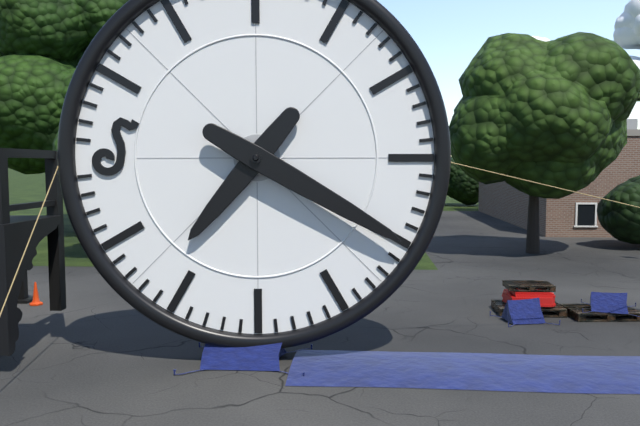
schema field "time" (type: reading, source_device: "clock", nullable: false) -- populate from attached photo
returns 7:20
